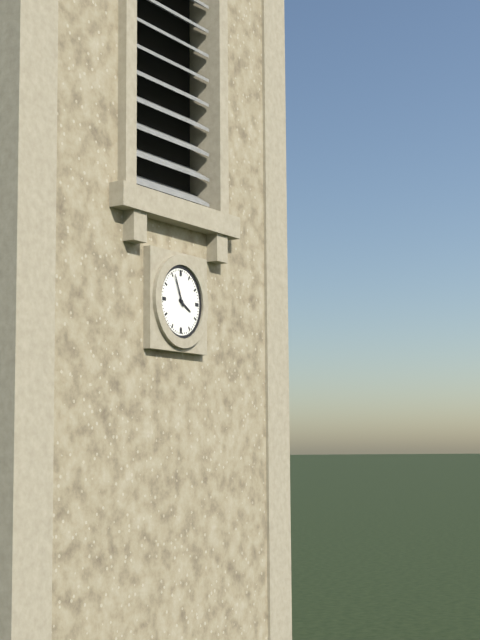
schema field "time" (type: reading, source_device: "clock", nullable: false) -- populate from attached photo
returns 3:56
